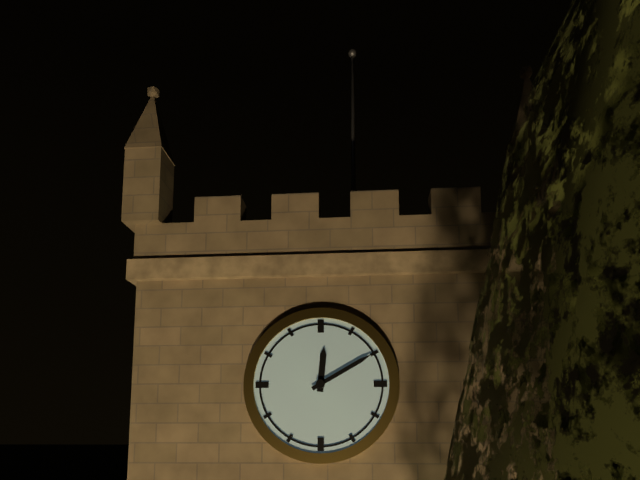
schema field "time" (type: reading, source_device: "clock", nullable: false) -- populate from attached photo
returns 12:10
